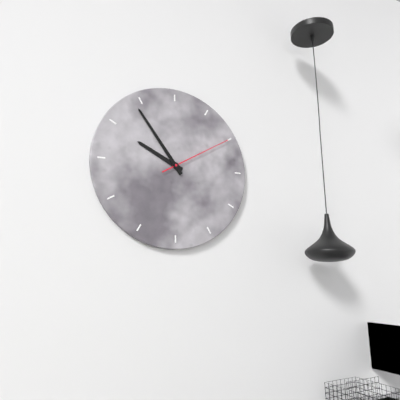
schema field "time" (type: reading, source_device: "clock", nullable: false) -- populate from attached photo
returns 9:54:10
